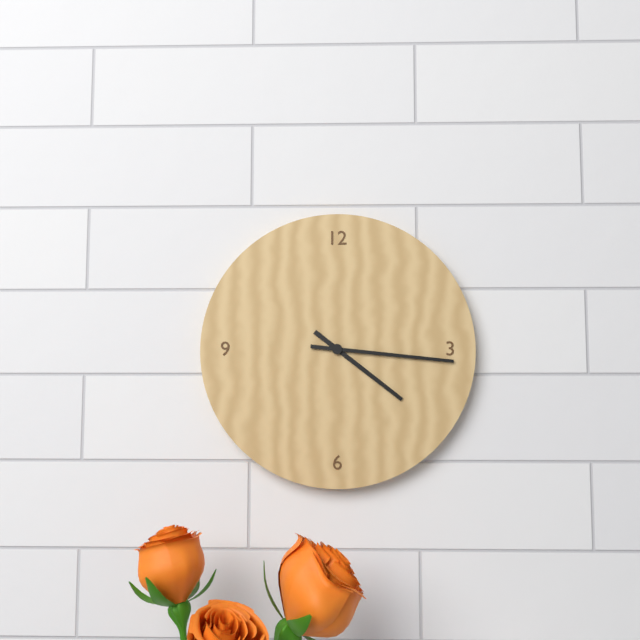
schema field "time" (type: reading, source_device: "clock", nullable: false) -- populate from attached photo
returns 4:16
